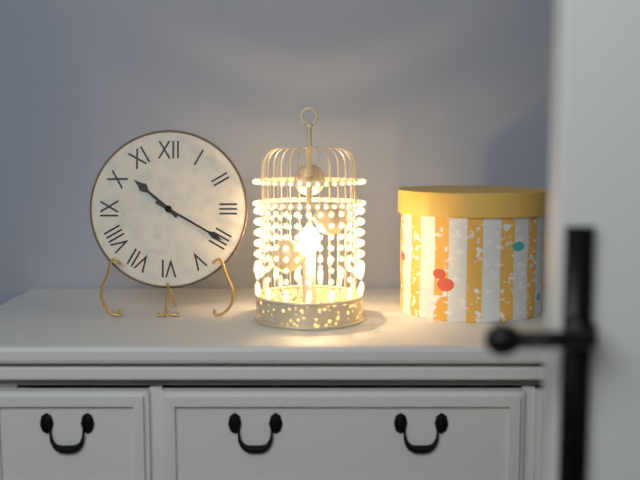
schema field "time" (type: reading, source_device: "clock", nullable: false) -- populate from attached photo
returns 10:20
